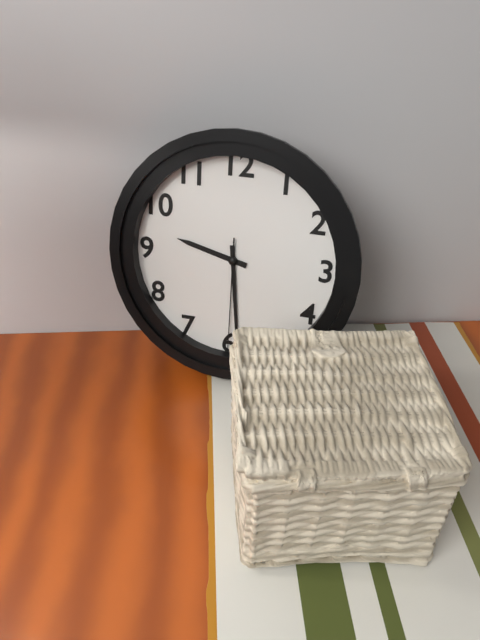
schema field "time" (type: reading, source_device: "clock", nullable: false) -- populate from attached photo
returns 9:29:30
